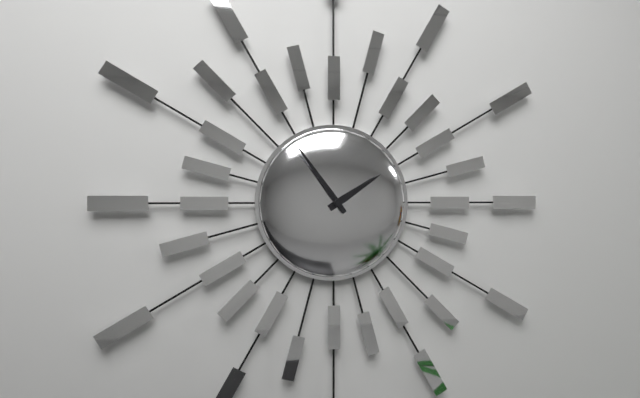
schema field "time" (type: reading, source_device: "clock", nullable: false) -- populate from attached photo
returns 1:54
